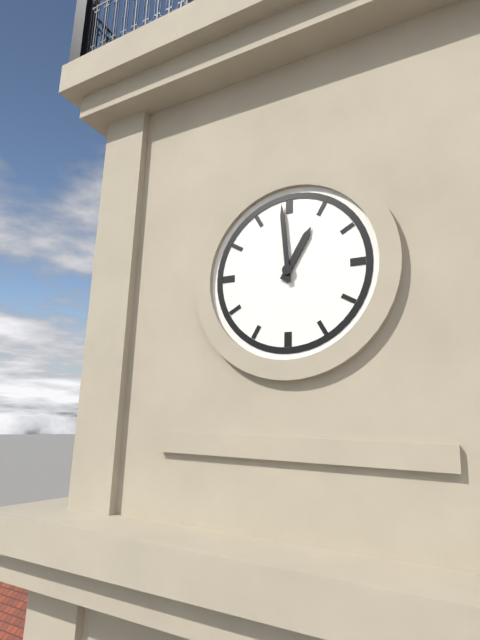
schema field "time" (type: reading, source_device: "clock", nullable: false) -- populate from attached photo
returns 12:59
